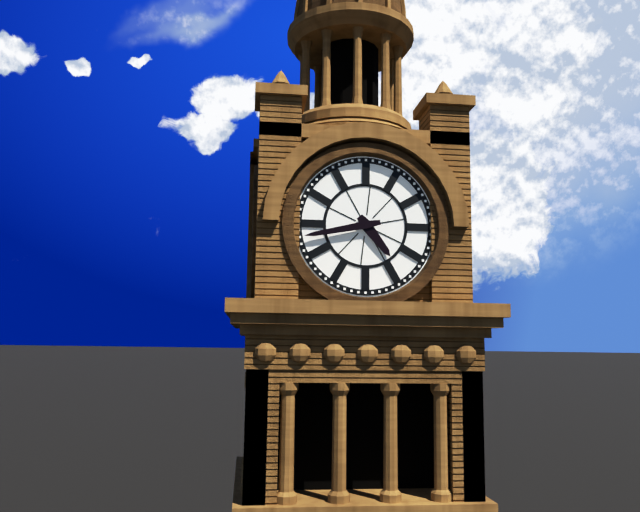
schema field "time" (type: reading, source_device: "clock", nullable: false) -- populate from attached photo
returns 4:43
